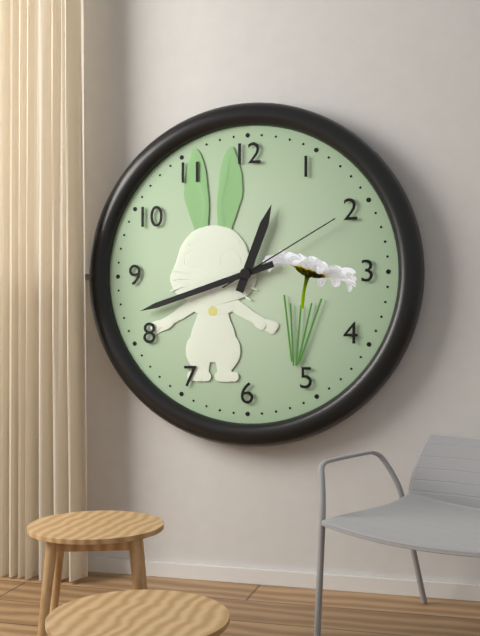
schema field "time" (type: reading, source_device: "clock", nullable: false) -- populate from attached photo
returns 12:42:10
